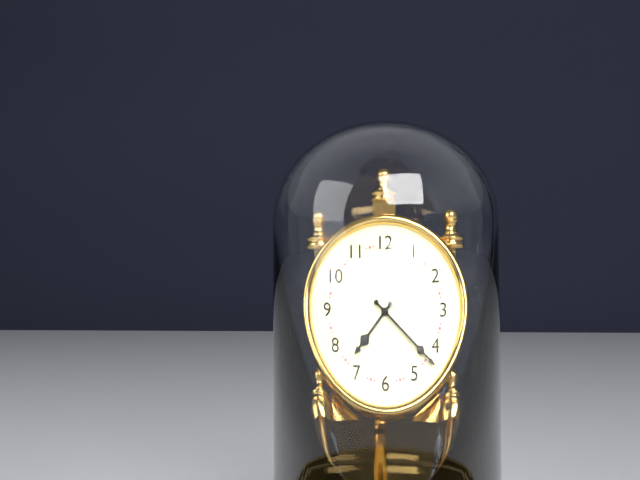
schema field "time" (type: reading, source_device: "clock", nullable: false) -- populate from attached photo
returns 7:22
